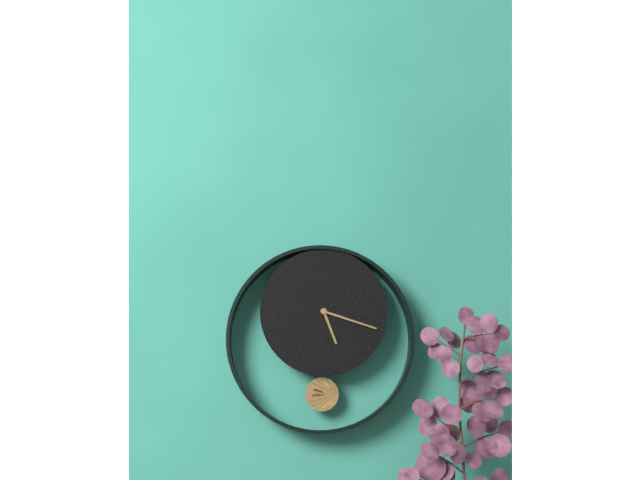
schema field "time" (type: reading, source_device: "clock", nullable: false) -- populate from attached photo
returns 5:18
